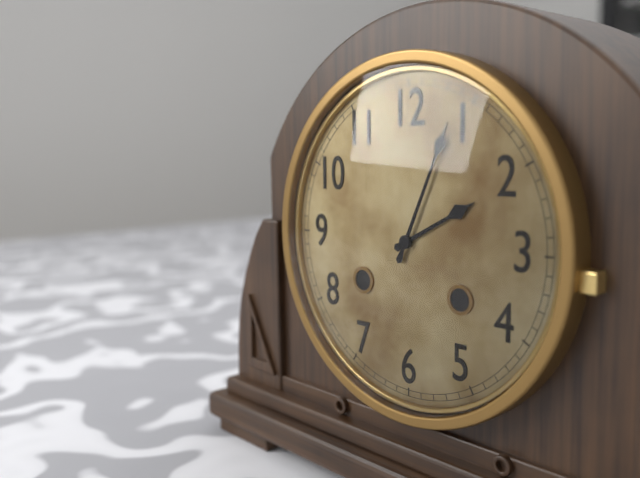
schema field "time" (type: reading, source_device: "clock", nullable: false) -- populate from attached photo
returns 2:04
